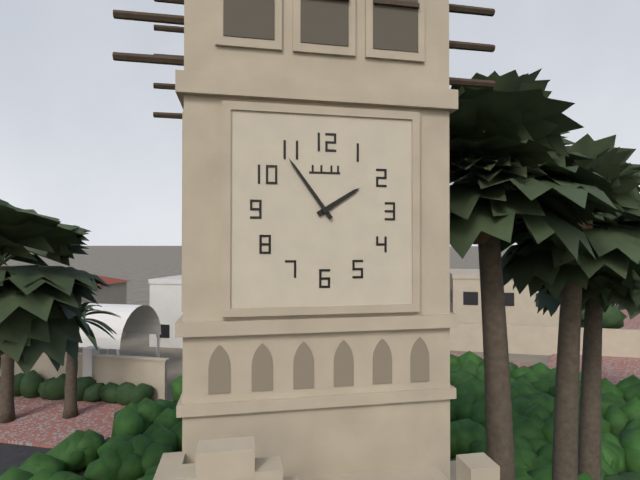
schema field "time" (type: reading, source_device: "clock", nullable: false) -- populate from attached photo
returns 1:54
